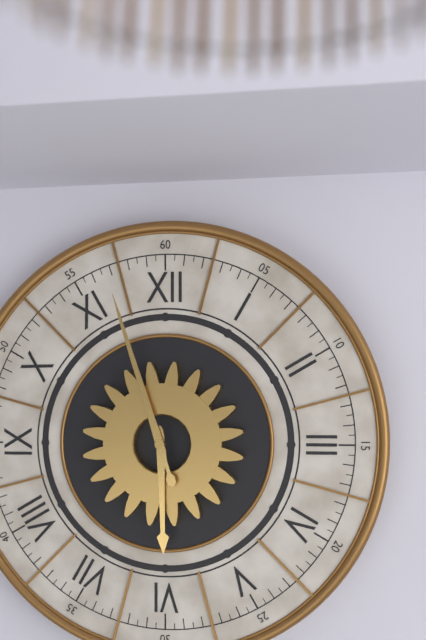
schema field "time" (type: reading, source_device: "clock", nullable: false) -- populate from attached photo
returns 5:57
